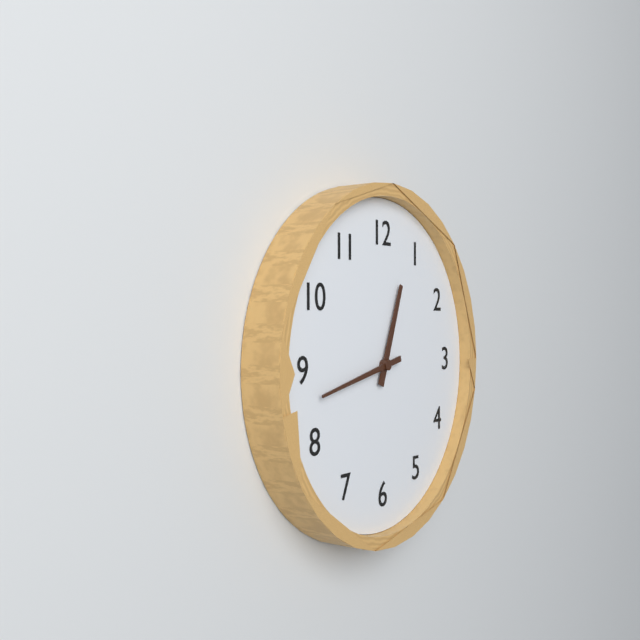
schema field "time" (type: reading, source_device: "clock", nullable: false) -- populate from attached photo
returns 12:43
